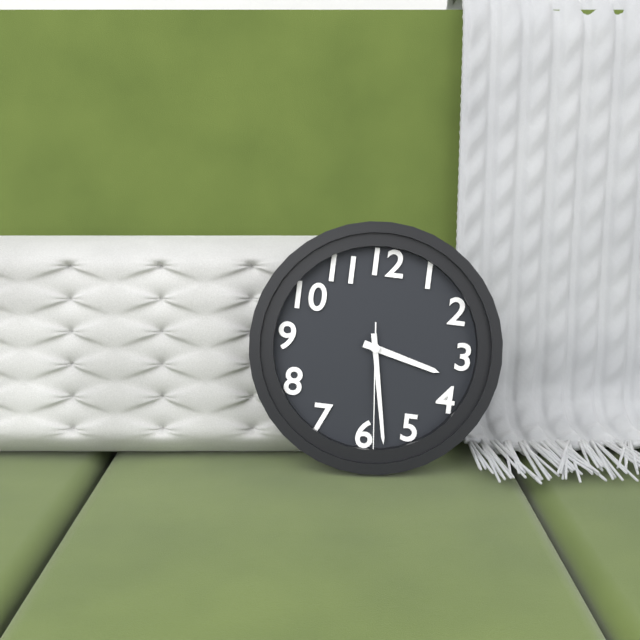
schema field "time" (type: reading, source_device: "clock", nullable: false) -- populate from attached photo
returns 3:28:29
